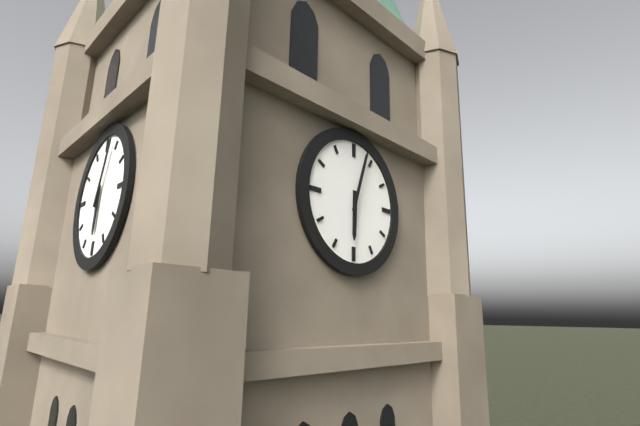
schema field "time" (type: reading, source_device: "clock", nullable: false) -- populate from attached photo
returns 6:03
